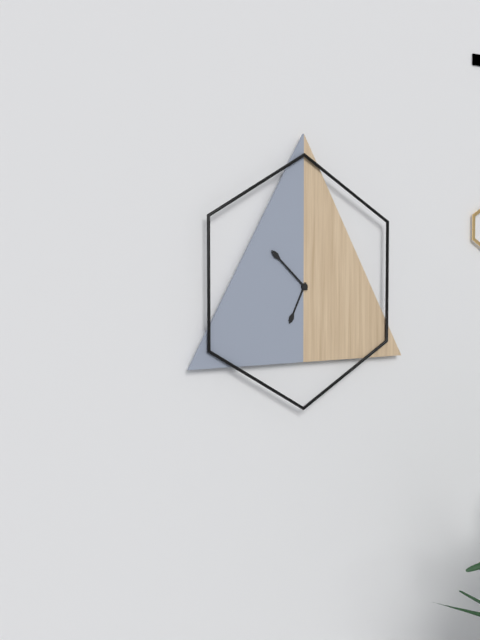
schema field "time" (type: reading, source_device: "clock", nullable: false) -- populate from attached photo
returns 6:52
